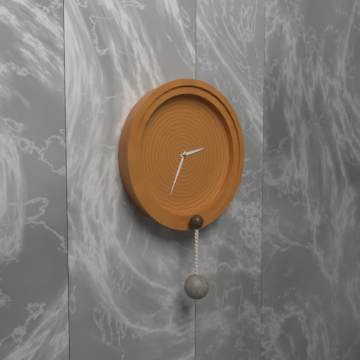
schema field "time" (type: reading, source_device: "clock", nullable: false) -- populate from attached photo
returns 2:34
